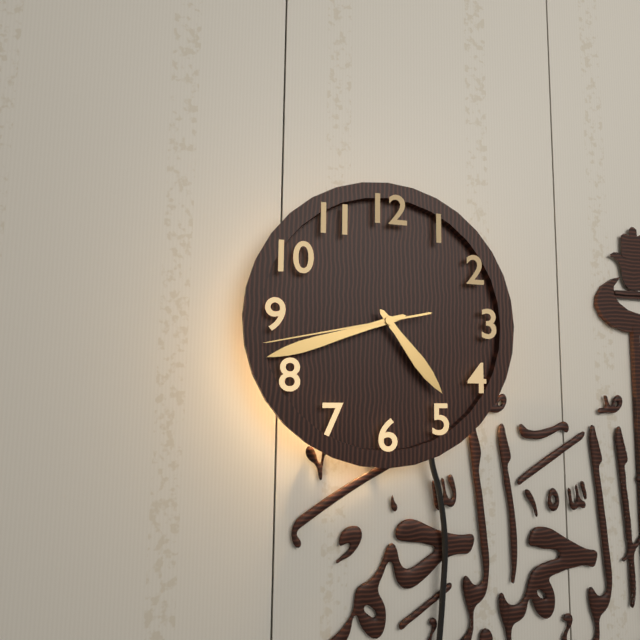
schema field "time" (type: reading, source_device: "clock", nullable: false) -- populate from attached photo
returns 4:42:43
